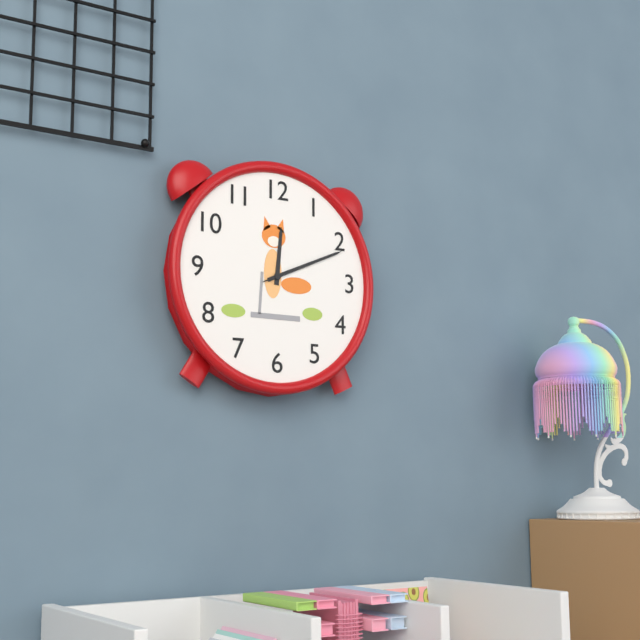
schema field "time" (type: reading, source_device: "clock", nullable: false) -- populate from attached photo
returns 12:11:11
